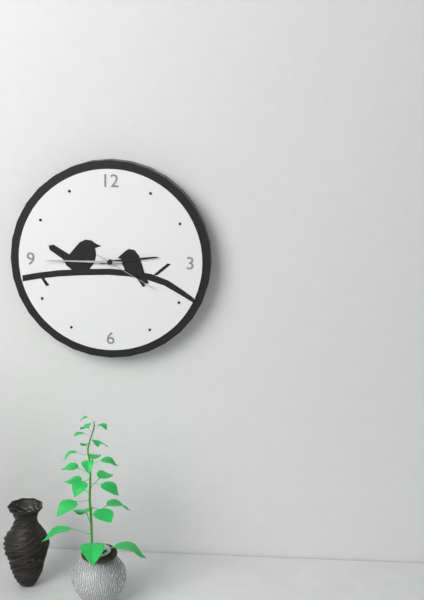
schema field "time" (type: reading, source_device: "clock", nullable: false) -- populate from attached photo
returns 2:45:20
